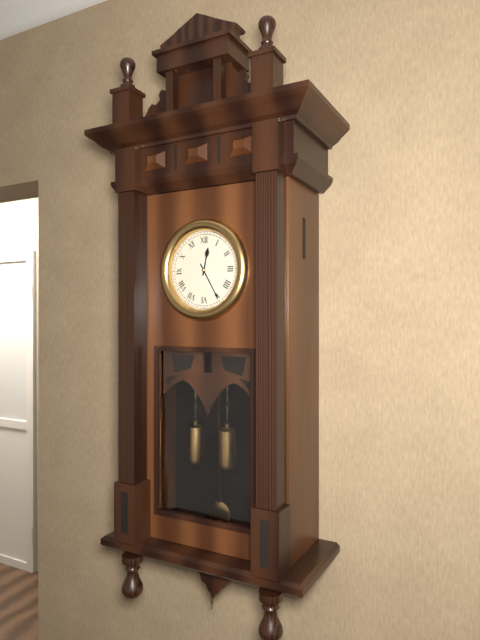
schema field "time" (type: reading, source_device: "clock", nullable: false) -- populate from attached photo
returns 12:25
